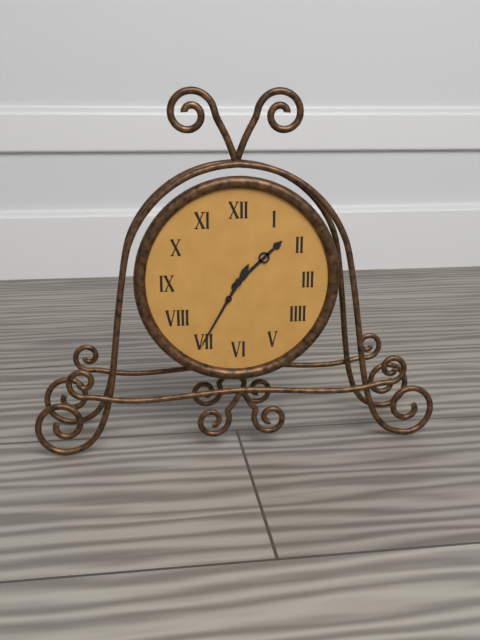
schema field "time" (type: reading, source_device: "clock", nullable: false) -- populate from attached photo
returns 1:35
